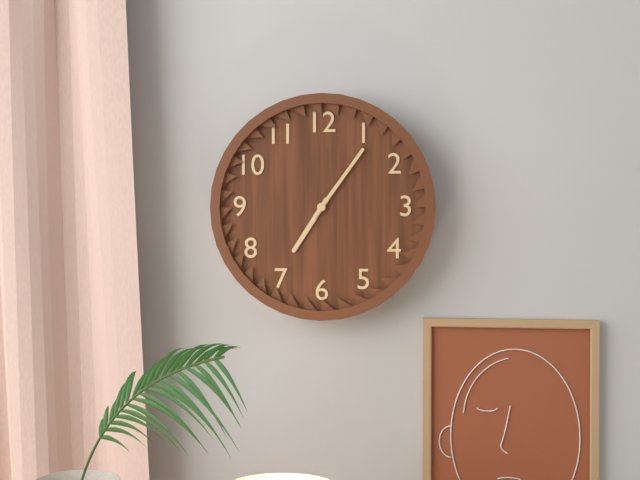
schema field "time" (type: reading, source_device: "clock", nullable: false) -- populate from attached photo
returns 7:06
